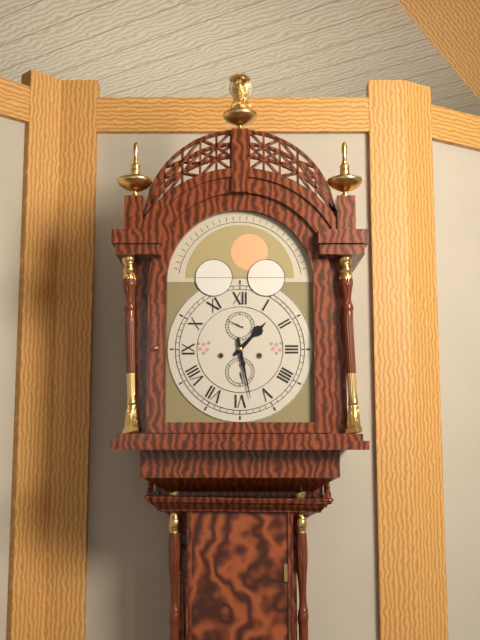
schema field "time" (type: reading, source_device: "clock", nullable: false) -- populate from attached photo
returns 1:28
